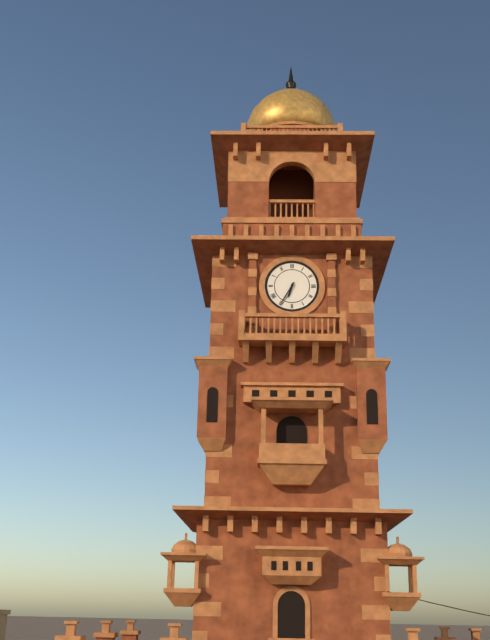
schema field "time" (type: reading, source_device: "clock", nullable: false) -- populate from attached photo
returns 6:35
